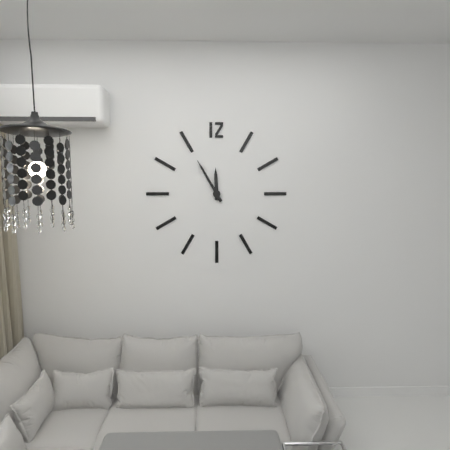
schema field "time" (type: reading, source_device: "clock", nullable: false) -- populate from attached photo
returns 11:55
